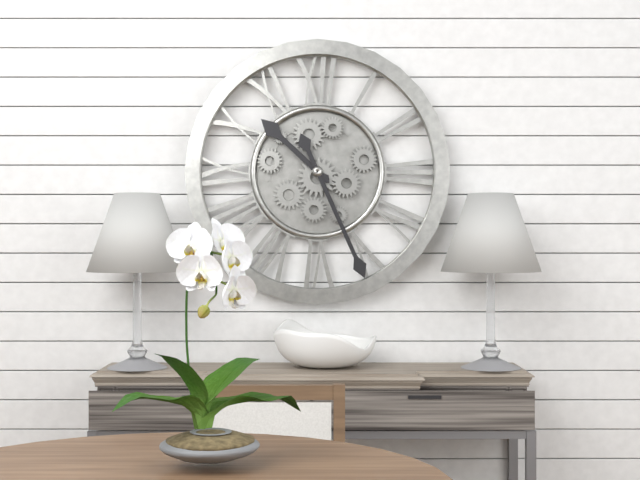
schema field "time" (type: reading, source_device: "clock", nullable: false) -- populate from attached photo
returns 10:26
